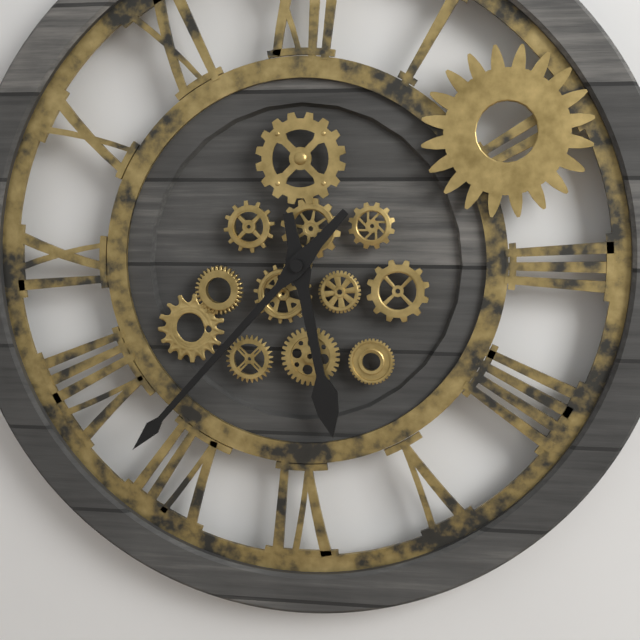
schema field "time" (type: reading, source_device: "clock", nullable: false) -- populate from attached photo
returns 5:37
